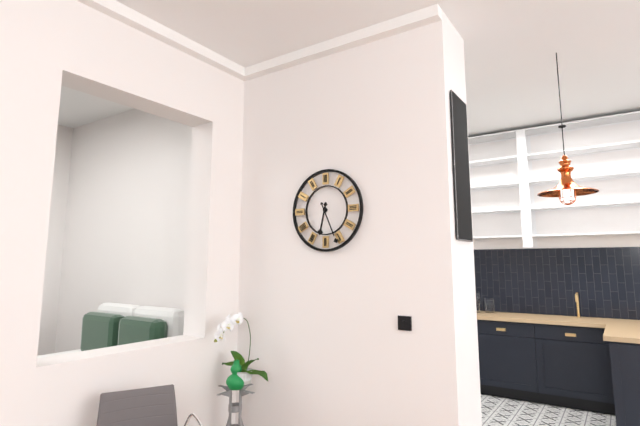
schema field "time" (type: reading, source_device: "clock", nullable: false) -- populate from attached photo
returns 6:26
